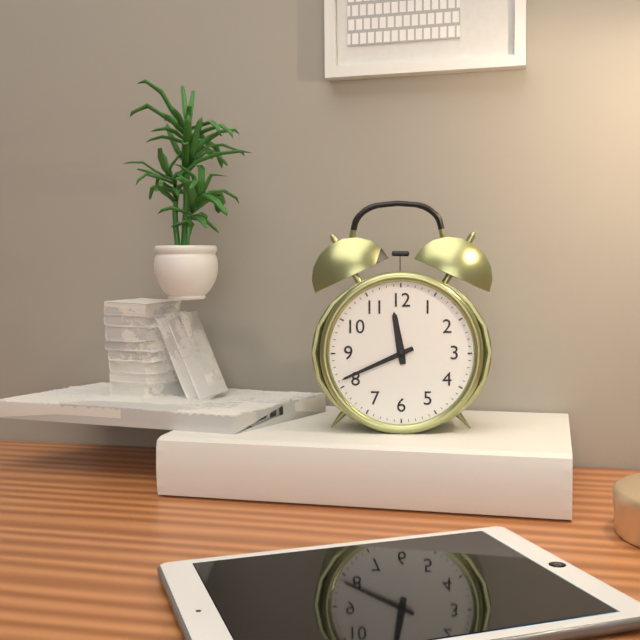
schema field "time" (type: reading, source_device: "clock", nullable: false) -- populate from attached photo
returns 11:41
